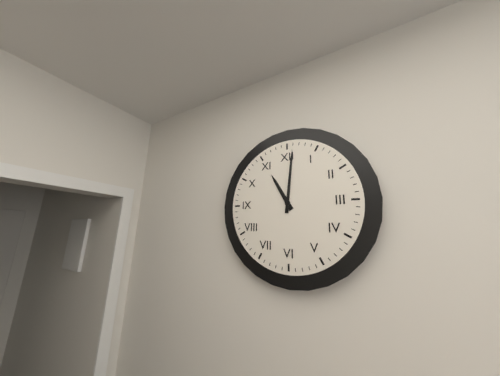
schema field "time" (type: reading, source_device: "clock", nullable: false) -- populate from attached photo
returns 11:01
